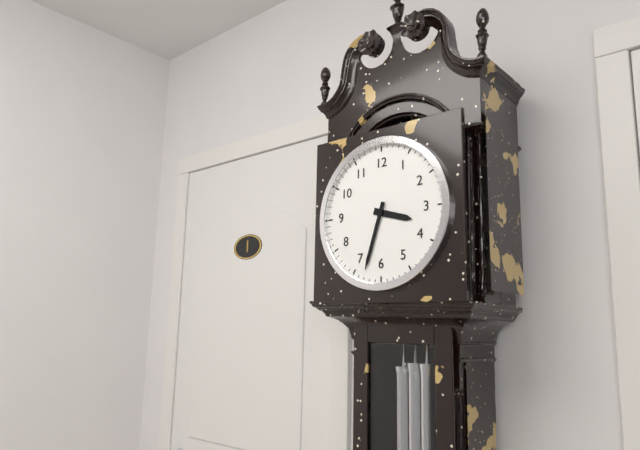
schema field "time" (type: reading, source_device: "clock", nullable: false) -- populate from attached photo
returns 3:33
